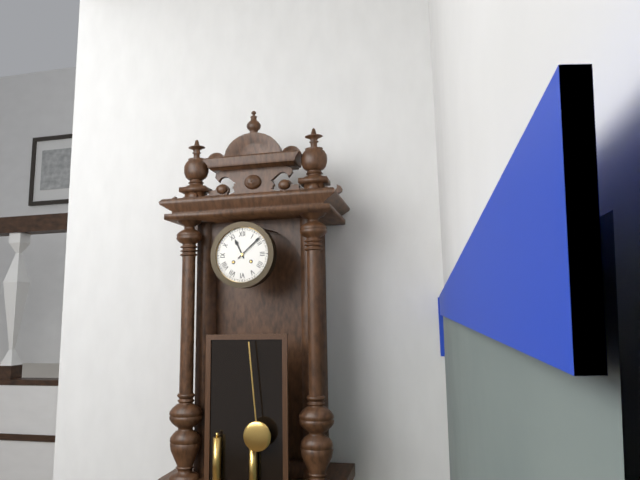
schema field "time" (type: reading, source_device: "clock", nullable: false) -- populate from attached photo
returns 11:08
